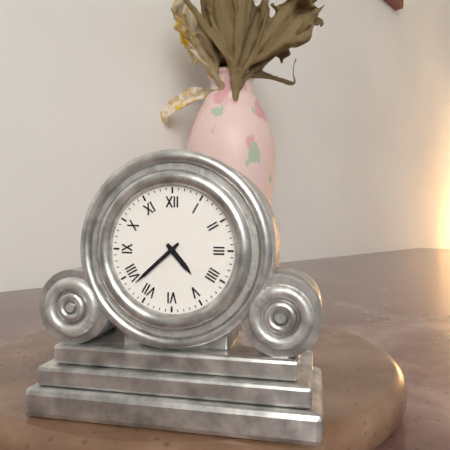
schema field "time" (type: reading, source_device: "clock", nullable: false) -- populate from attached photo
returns 4:38
